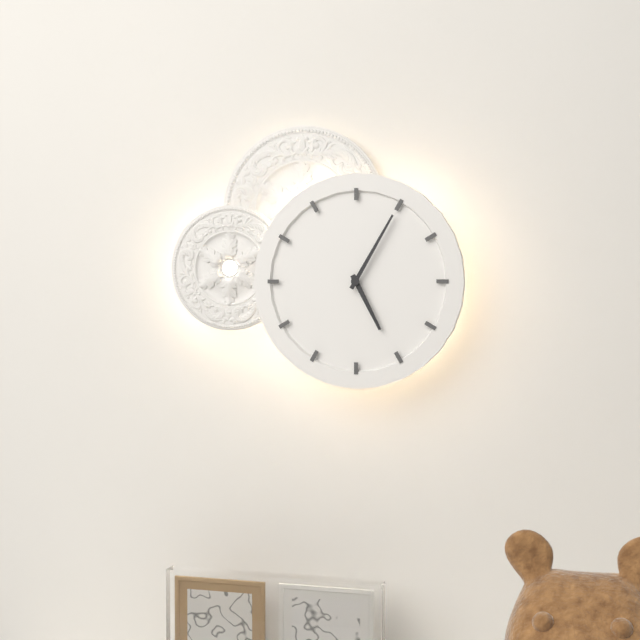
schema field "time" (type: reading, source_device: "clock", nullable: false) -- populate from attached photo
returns 5:05
